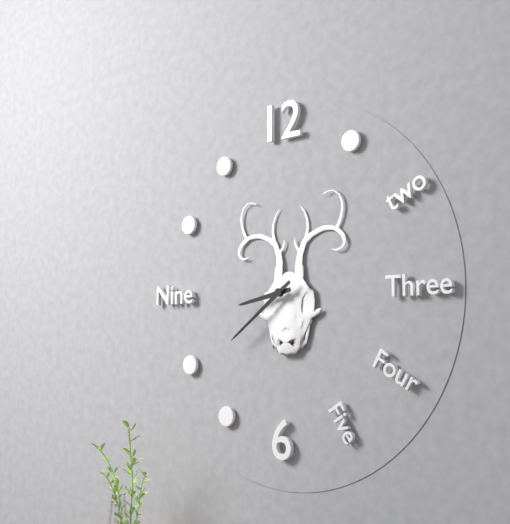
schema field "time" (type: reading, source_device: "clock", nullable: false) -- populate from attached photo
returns 8:39
